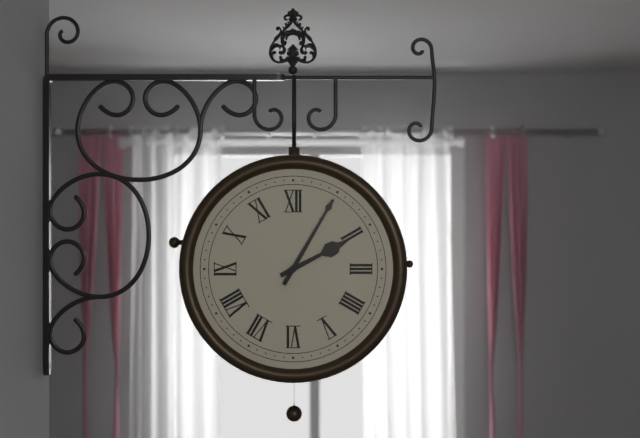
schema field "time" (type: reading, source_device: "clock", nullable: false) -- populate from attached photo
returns 2:05
